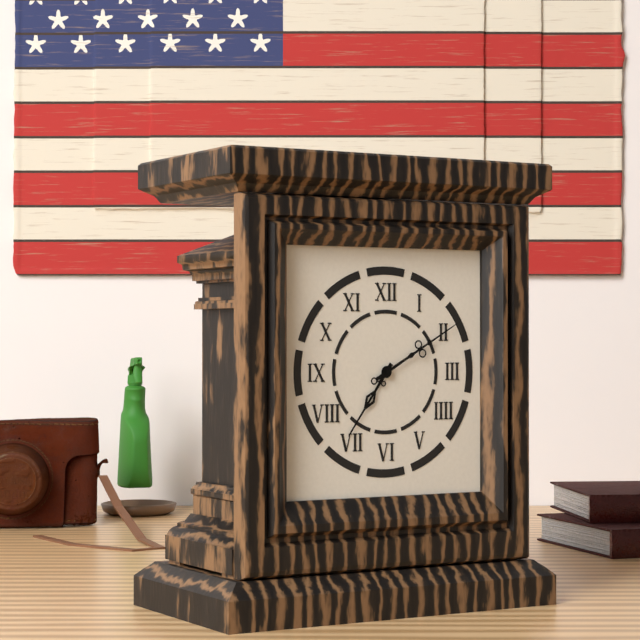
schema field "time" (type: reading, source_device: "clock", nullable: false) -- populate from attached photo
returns 7:10
